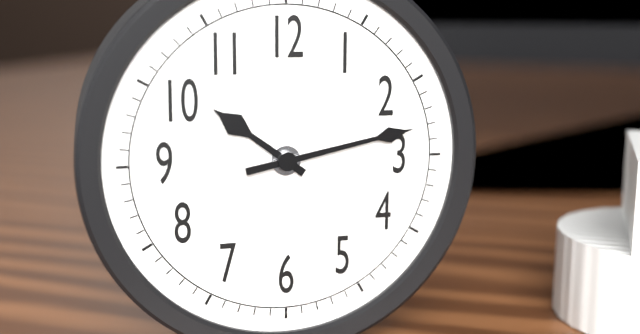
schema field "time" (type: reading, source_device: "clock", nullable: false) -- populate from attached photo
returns 10:13
